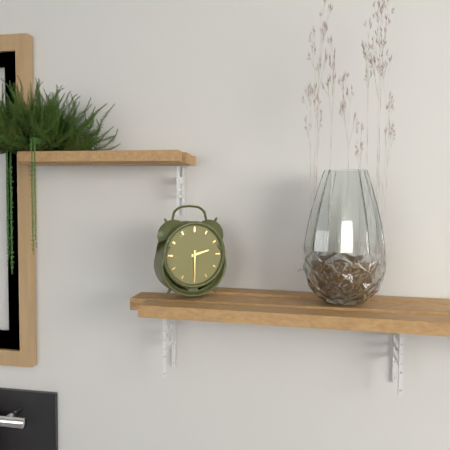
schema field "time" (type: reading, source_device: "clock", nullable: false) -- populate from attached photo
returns 2:30
